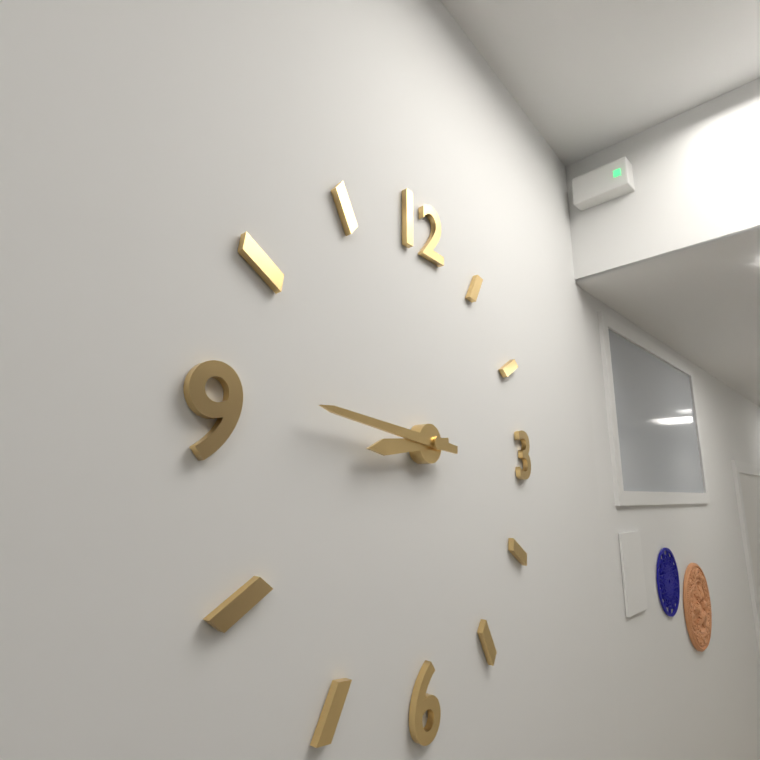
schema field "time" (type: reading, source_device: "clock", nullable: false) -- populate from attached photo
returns 8:46
